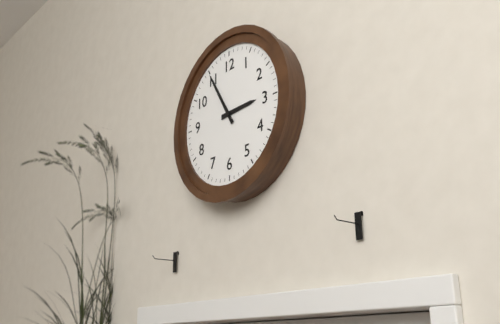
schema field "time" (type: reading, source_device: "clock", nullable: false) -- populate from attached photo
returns 2:55
